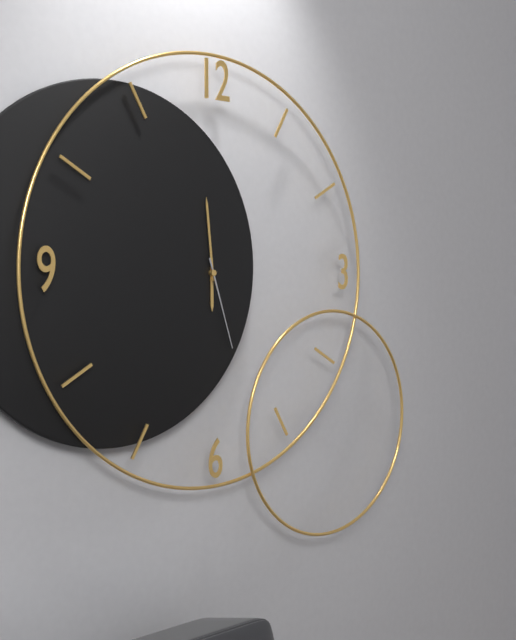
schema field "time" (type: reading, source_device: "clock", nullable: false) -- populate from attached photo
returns 5:59:27
